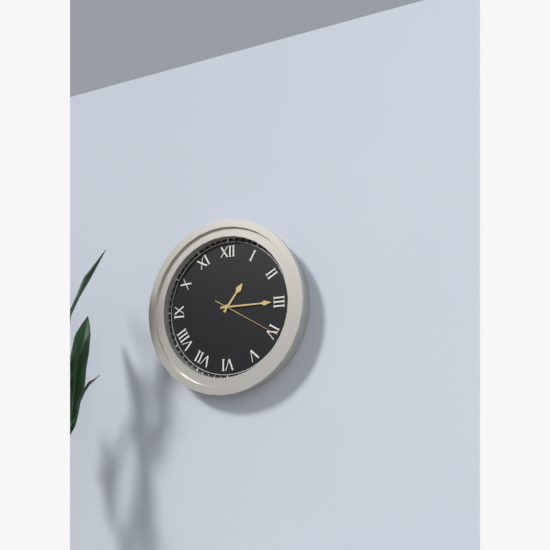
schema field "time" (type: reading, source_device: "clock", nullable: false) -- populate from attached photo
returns 1:15:20
